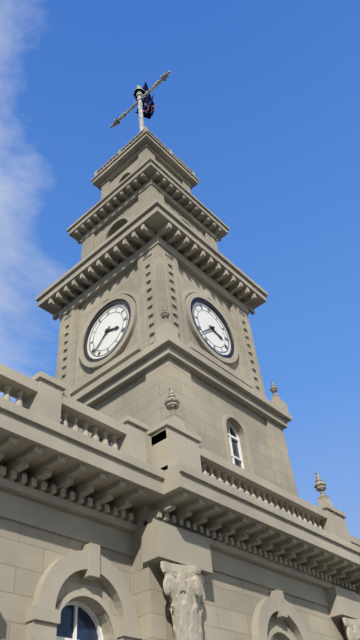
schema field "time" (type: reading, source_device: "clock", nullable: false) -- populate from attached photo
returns 3:38
